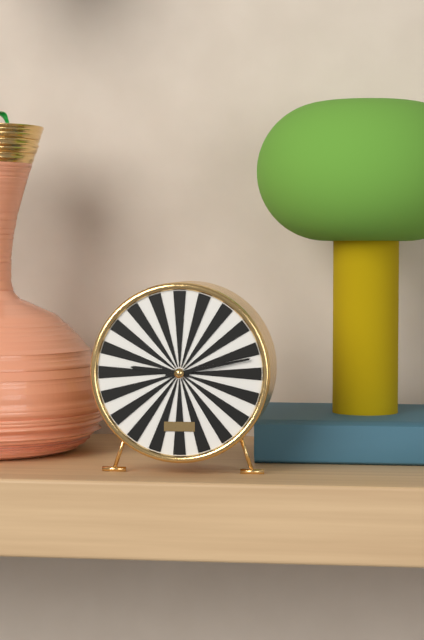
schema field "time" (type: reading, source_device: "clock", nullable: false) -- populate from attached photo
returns 9:13
